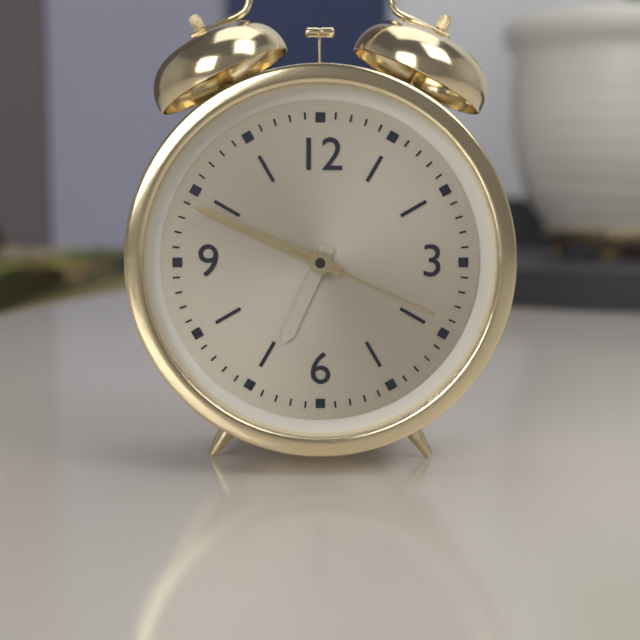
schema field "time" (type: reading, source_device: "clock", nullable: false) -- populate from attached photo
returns 6:49:19
